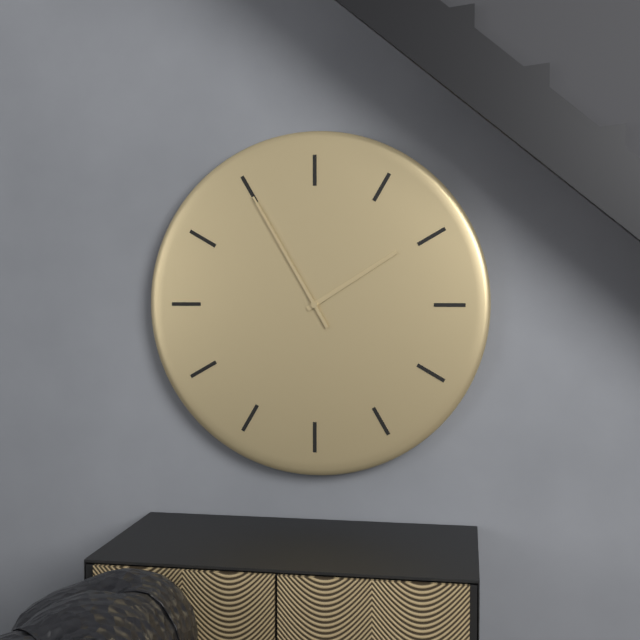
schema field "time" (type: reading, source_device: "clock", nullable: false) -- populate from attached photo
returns 1:55
